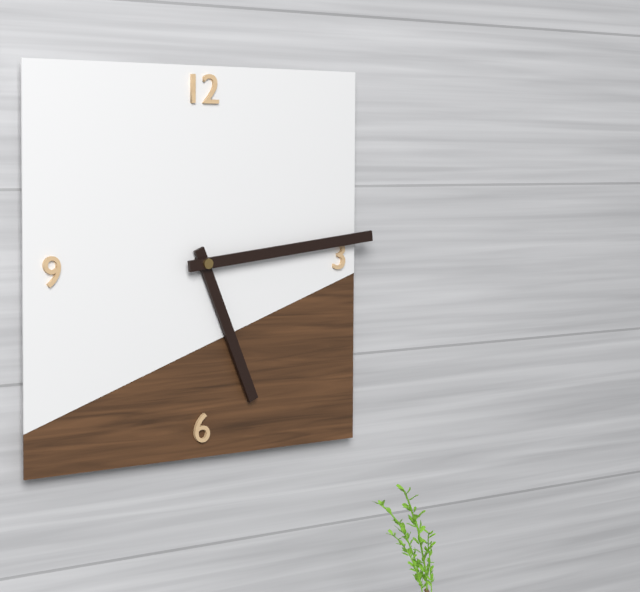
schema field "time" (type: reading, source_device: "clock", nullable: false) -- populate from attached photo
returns 5:14
